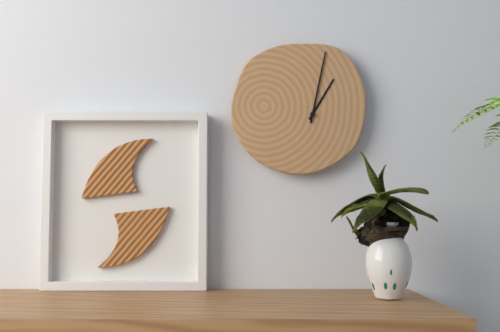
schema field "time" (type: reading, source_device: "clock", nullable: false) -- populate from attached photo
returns 1:02
